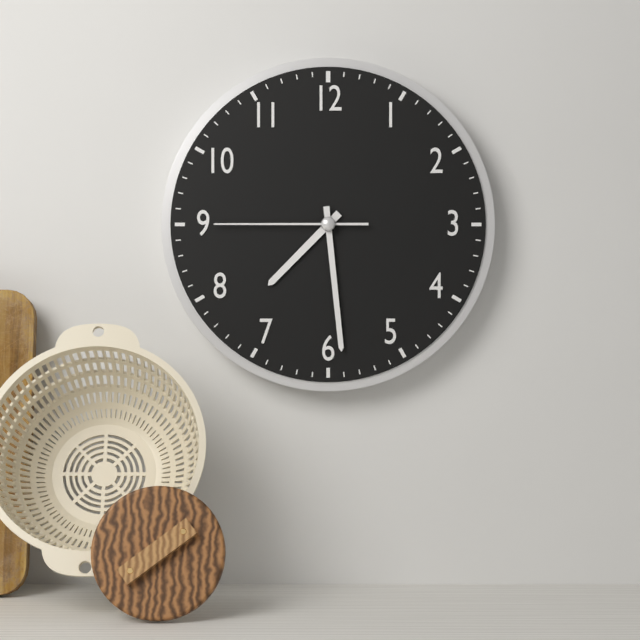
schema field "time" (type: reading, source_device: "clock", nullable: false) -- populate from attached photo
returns 7:29:45
